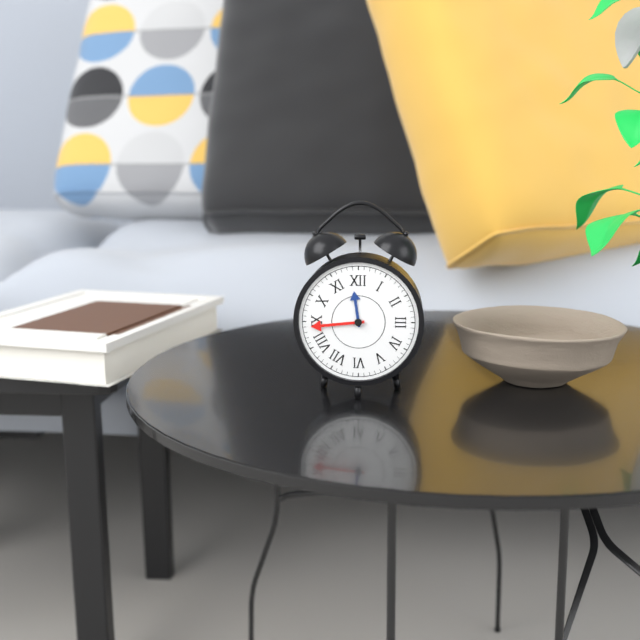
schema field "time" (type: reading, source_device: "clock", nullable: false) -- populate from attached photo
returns 11:44
